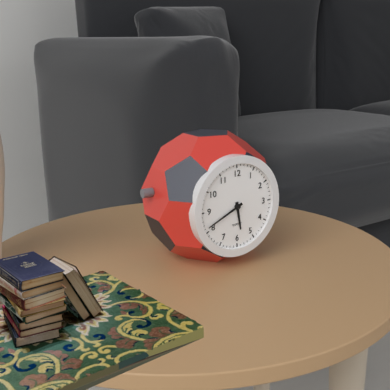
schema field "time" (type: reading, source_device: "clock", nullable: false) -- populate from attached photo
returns 5:41
